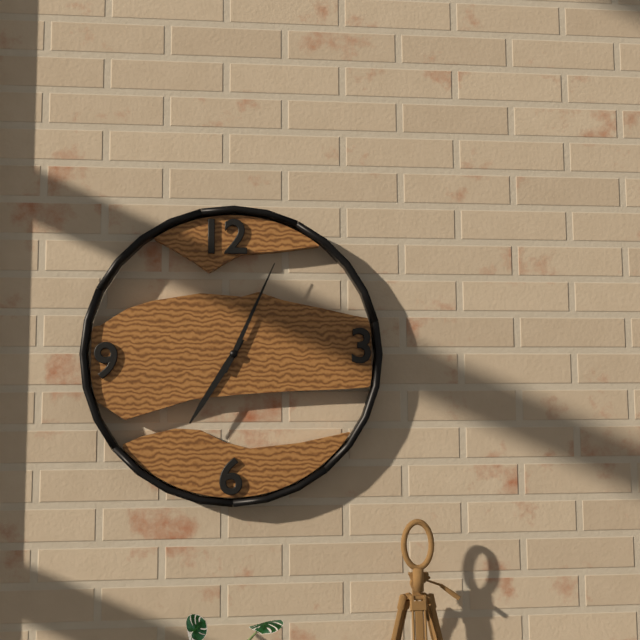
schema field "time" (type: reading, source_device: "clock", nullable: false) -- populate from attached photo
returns 7:04
